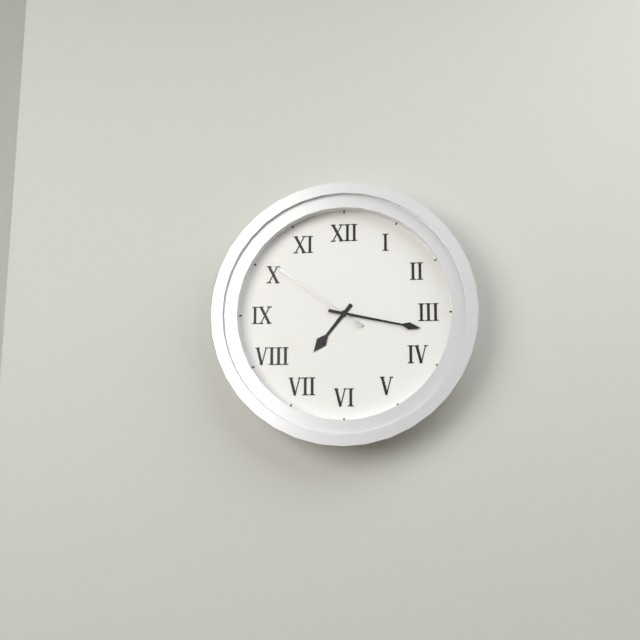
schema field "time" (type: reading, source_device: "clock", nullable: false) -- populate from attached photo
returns 7:17:51
